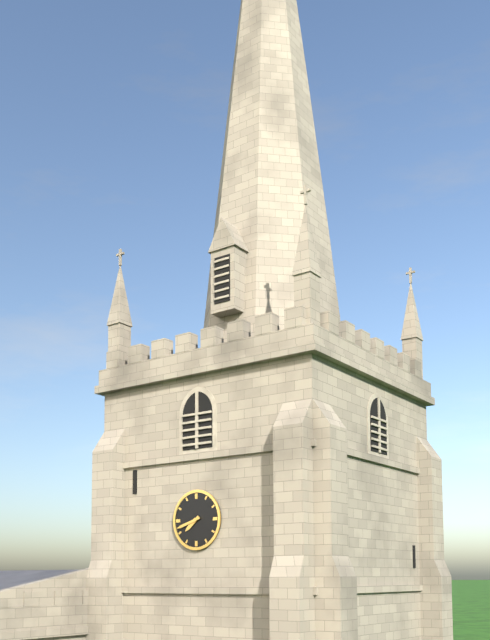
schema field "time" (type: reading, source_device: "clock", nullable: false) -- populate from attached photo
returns 7:42
